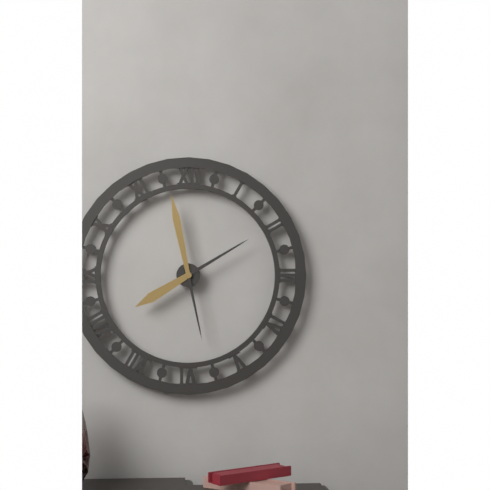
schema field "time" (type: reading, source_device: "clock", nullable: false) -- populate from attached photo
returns 7:58
